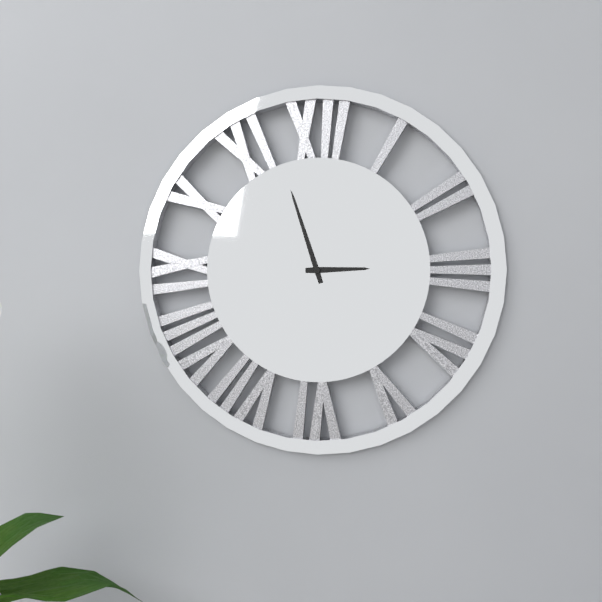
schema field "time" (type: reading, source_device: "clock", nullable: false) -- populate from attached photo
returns 2:57
